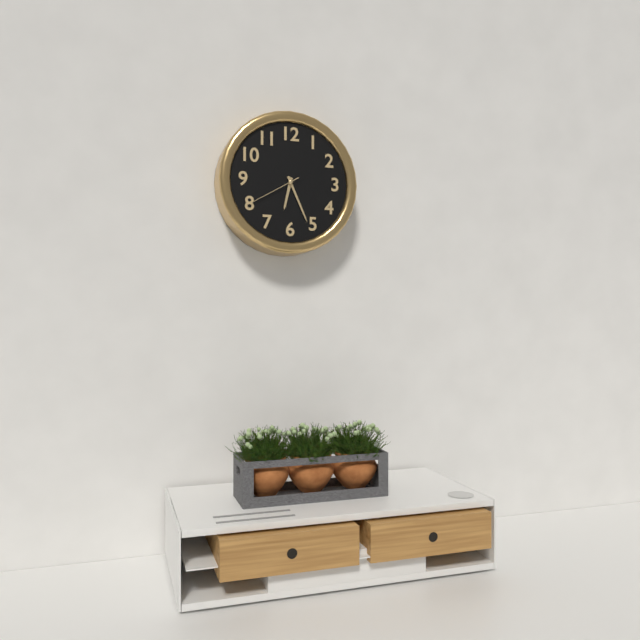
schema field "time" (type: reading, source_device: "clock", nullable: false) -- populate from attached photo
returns 6:26:40
